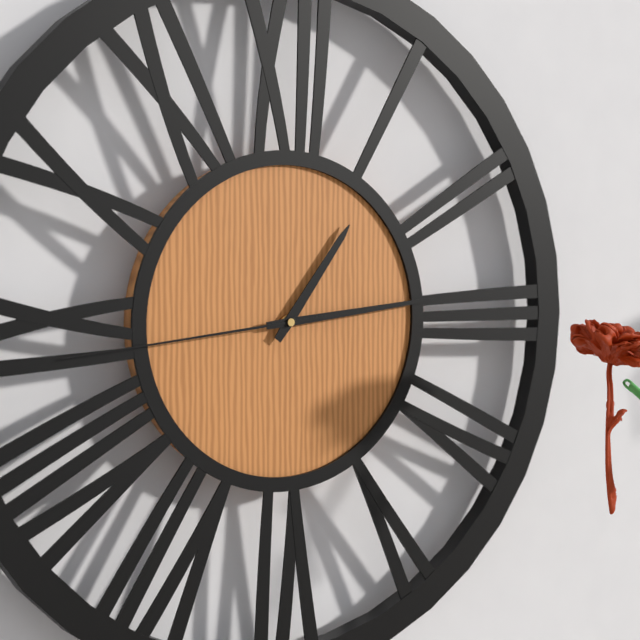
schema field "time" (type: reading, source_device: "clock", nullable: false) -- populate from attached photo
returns 1:14:44
